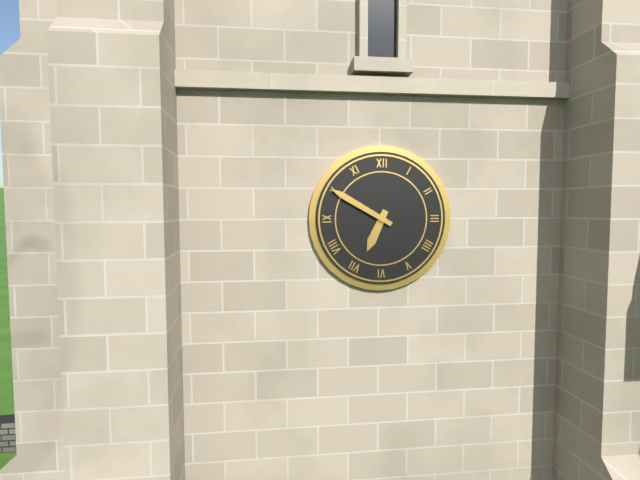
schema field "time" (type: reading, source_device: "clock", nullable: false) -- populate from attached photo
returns 6:50
